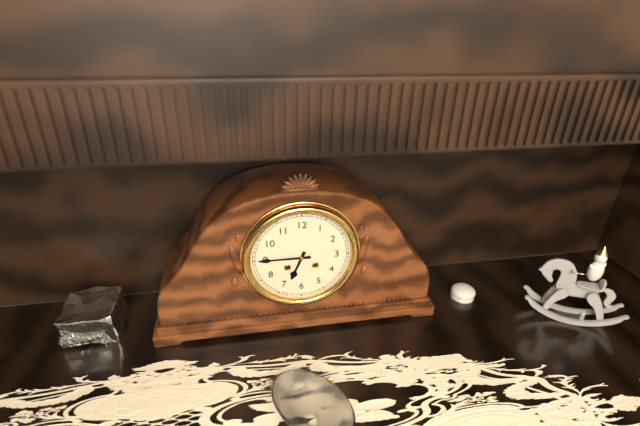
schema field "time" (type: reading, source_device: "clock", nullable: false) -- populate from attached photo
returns 6:45
